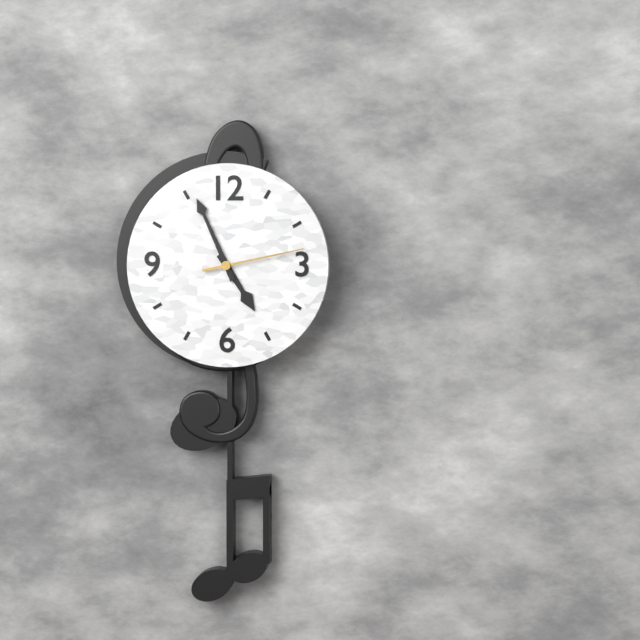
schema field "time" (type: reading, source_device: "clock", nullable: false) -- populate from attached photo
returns 4:56:13
